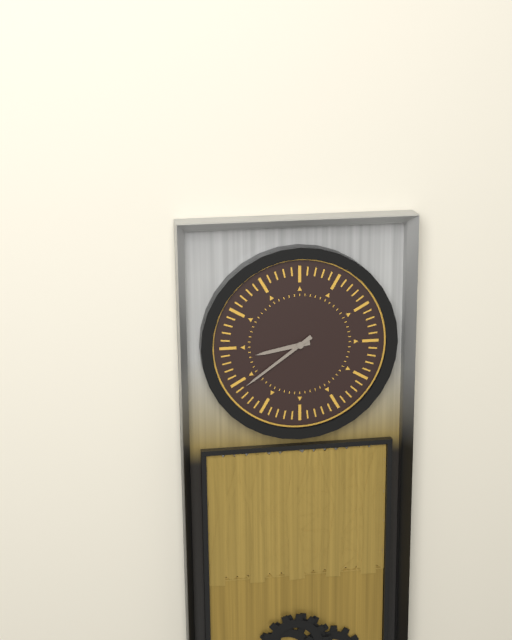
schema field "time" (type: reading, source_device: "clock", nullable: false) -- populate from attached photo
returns 8:39
